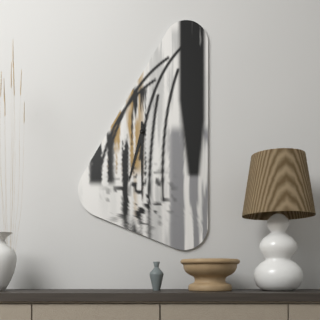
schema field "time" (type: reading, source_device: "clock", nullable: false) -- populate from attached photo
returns 6:30
